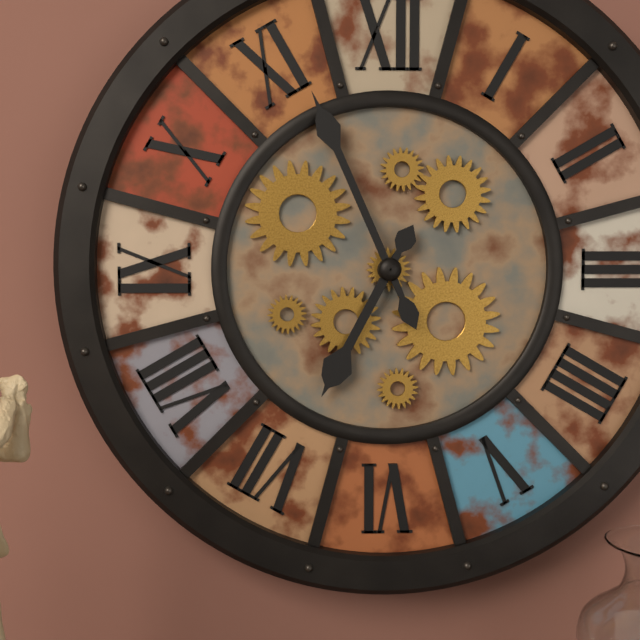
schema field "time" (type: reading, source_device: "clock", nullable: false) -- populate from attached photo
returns 6:56
